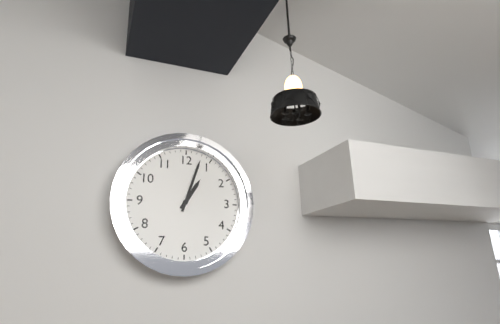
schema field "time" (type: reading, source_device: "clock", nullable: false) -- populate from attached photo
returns 1:03
